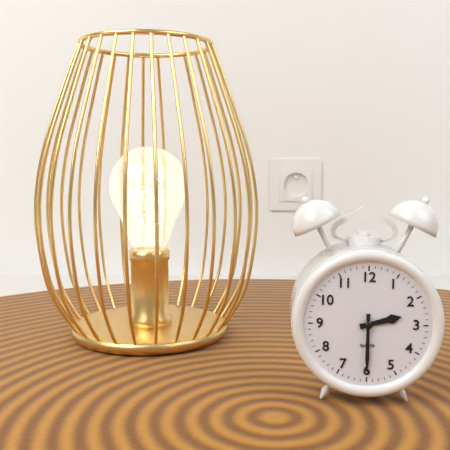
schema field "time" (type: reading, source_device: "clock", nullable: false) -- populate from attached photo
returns 2:30
